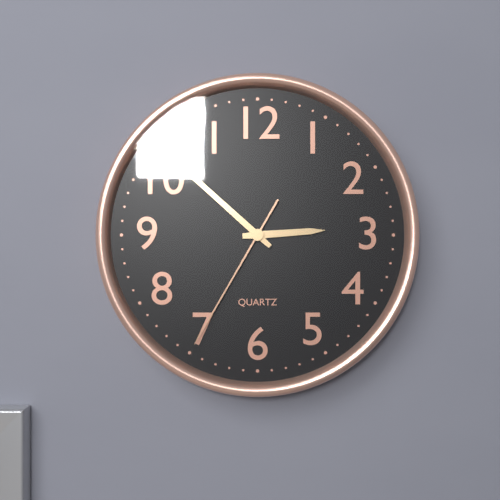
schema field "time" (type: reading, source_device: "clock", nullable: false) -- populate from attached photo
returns 2:52:35
